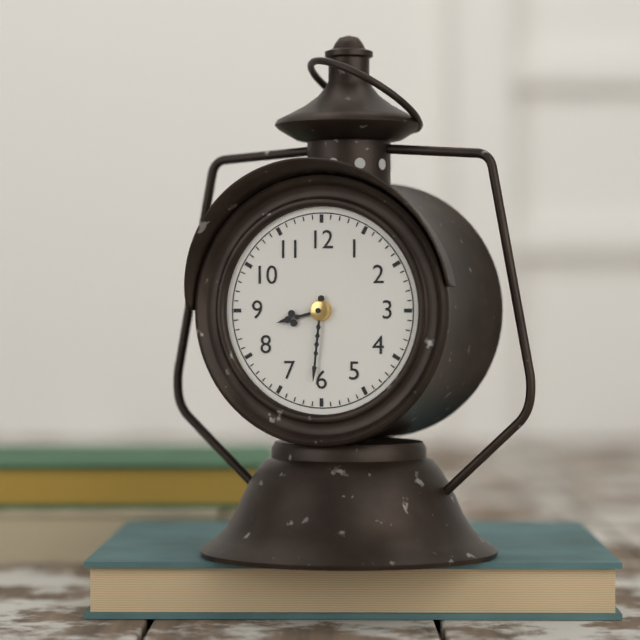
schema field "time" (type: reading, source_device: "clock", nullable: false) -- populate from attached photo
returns 8:31
